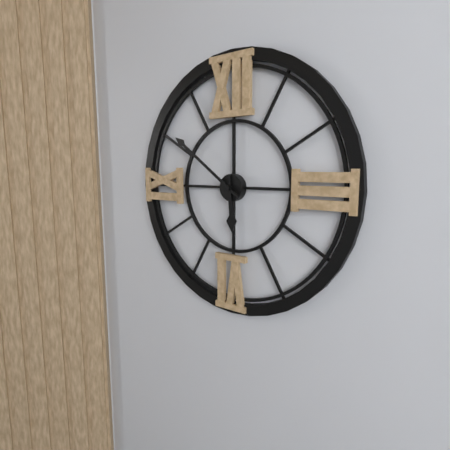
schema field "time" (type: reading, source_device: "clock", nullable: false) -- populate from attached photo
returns 5:51
